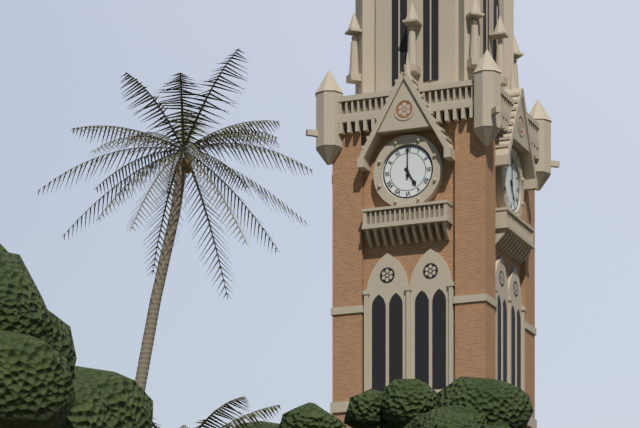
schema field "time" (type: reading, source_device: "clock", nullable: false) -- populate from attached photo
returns 5:00
